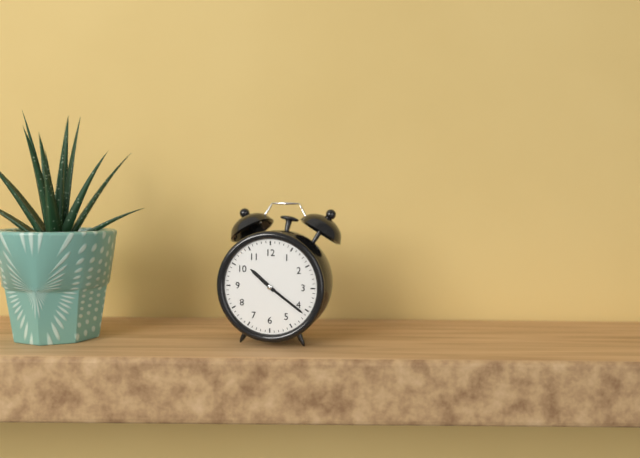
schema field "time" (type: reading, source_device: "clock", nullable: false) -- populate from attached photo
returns 10:21
